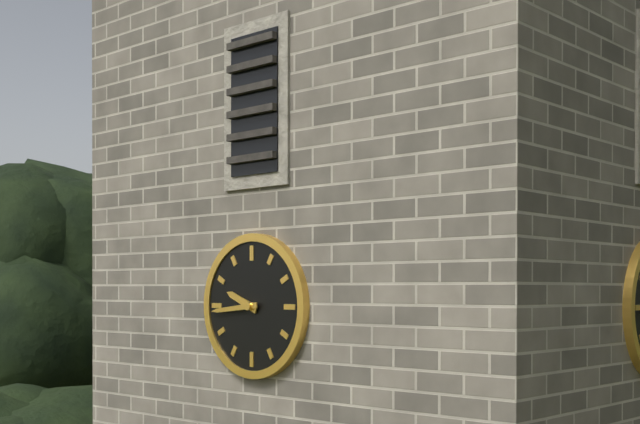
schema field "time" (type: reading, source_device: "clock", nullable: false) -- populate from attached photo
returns 9:44
